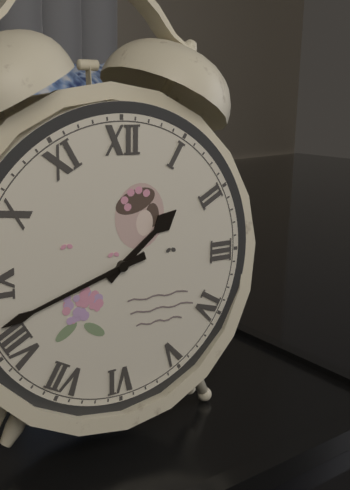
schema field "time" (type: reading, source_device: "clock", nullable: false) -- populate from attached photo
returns 1:42
